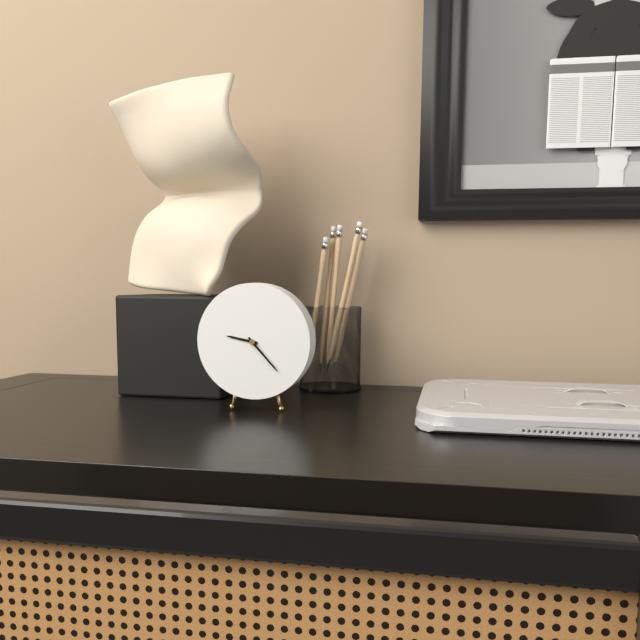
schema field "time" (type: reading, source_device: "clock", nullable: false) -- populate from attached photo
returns 9:23
